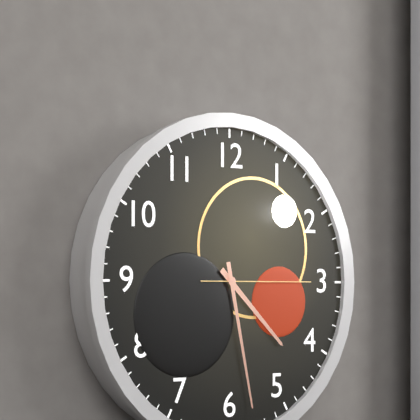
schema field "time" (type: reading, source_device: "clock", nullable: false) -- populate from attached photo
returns 4:28:15
